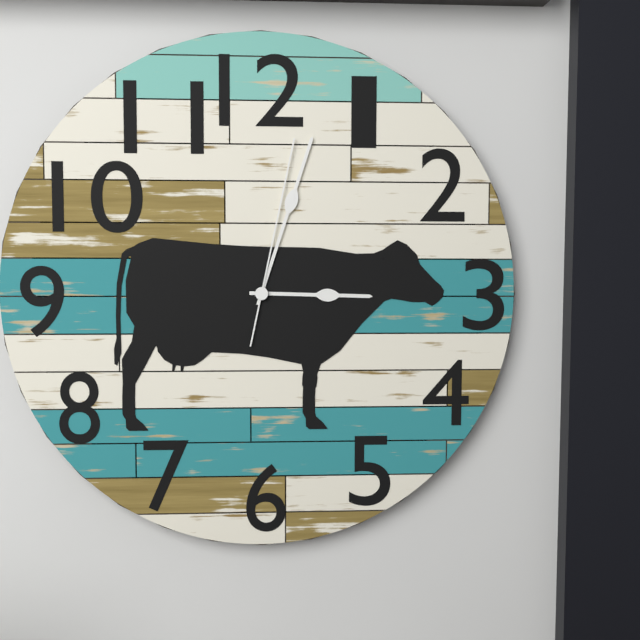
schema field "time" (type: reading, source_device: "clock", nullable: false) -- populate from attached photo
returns 3:03:02
